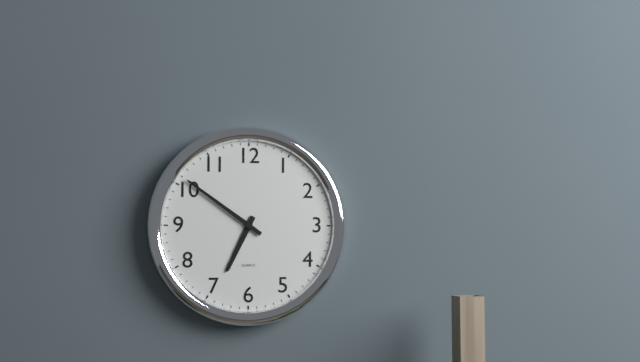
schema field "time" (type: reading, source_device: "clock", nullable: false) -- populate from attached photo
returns 6:51
